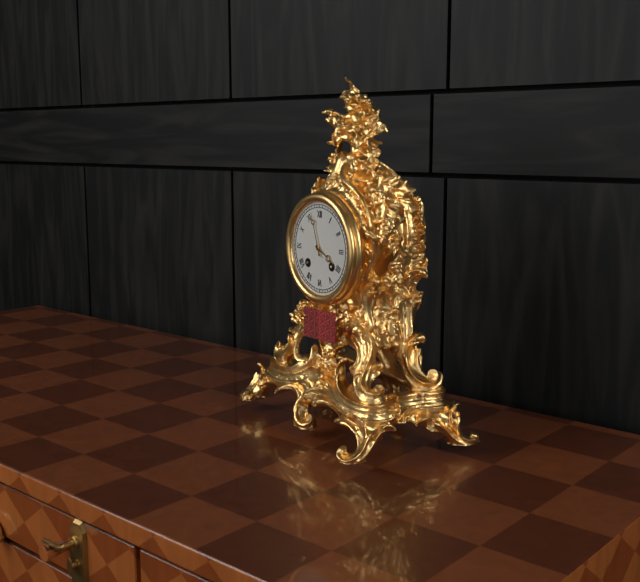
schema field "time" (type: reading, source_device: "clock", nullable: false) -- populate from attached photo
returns 3:57
